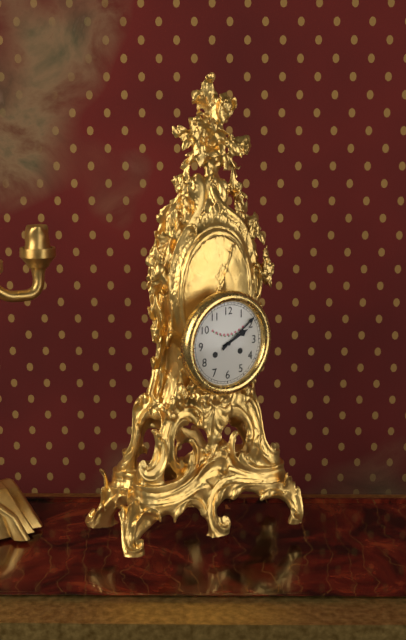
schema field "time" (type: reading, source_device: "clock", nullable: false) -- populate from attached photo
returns 2:09
